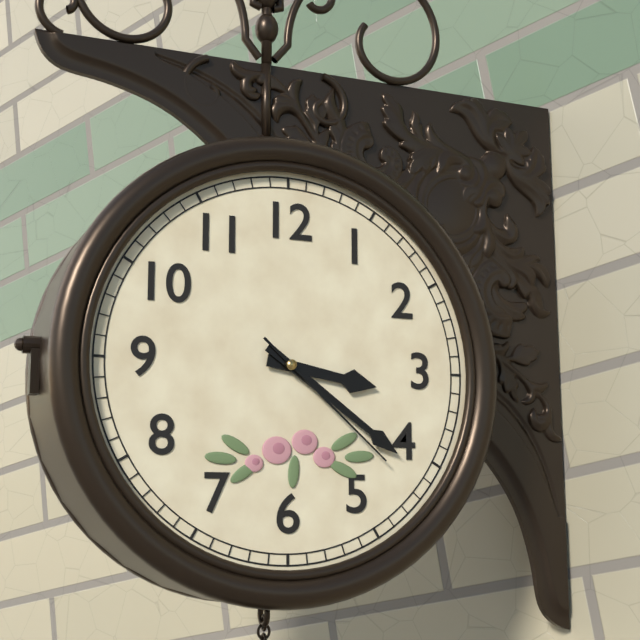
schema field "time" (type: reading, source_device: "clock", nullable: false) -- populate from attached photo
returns 3:21:22
